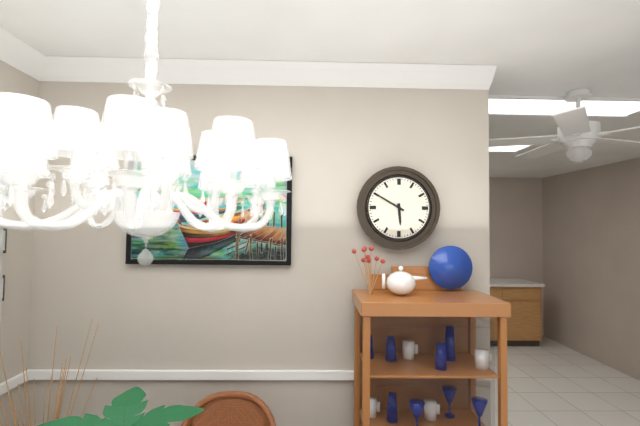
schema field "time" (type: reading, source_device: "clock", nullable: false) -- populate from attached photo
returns 5:50
